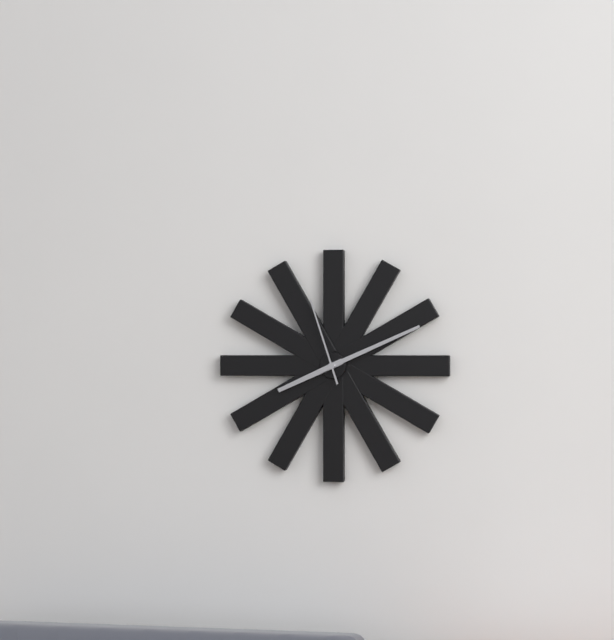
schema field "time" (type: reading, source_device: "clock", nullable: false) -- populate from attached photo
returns 8:11:57
